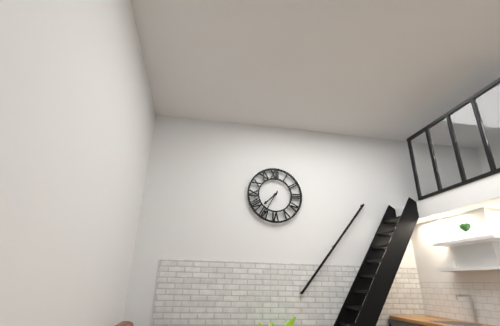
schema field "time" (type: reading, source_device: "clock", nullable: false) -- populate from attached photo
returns 7:35
